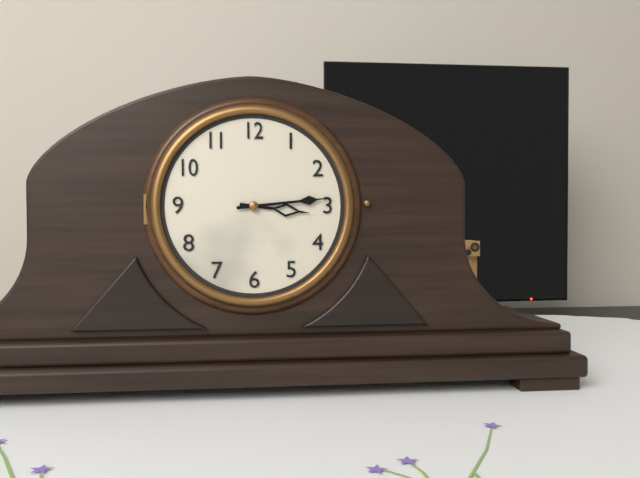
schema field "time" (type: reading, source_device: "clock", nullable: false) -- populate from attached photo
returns 3:14
